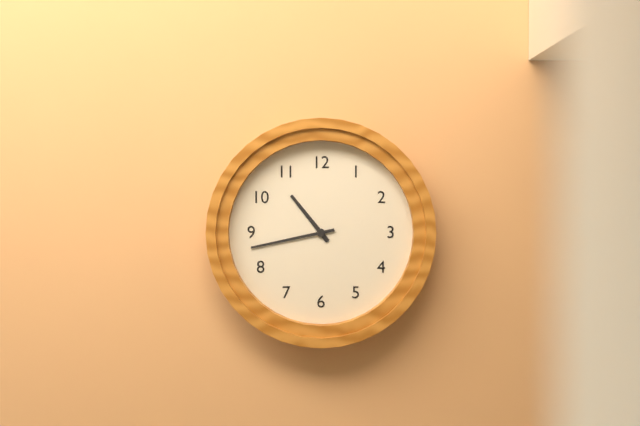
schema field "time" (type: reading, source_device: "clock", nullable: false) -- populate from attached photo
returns 10:43
